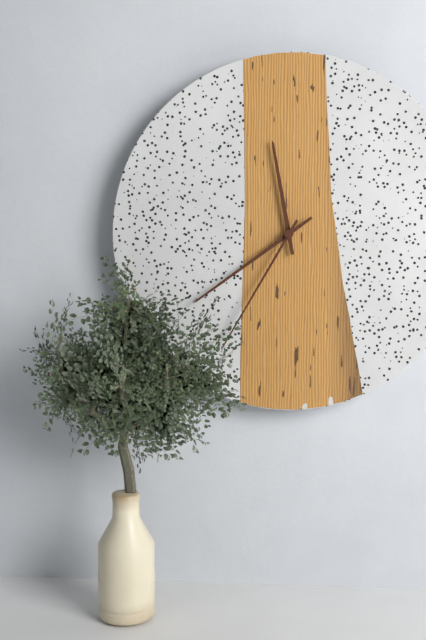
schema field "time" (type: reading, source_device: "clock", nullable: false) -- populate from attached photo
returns 11:39:35
